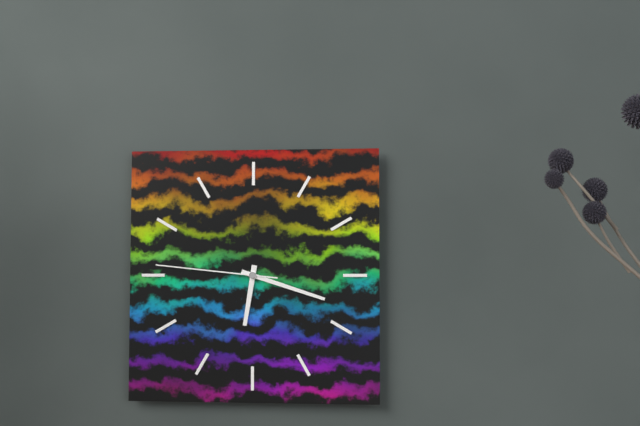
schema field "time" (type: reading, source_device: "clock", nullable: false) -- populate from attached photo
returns 6:18:46
